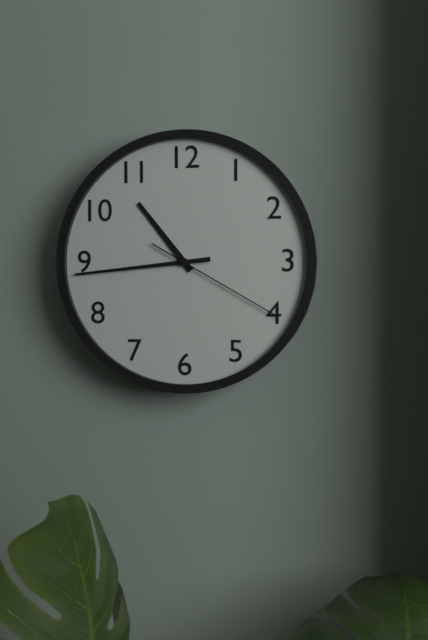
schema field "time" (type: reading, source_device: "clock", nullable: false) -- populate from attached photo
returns 10:44:20
